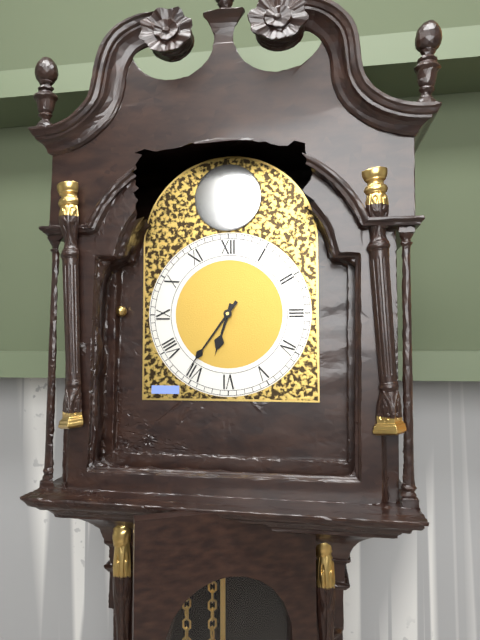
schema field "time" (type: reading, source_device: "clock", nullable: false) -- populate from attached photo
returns 6:36
